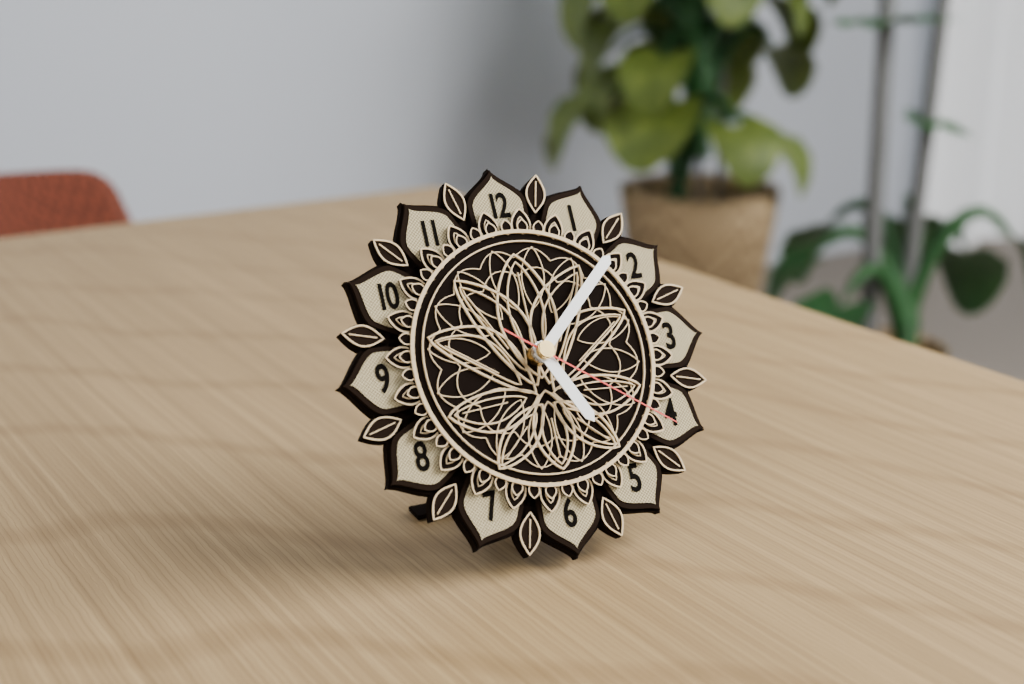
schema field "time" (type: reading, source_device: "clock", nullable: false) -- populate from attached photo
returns 5:08:21
